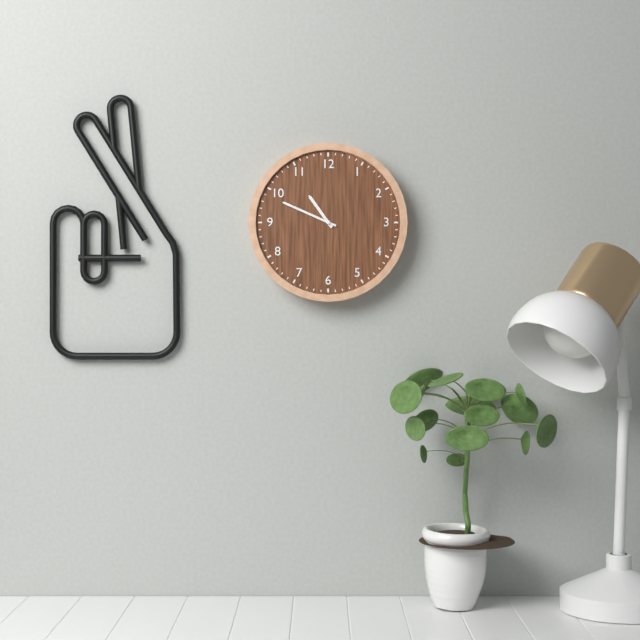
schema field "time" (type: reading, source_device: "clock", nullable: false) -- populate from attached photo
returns 10:49
